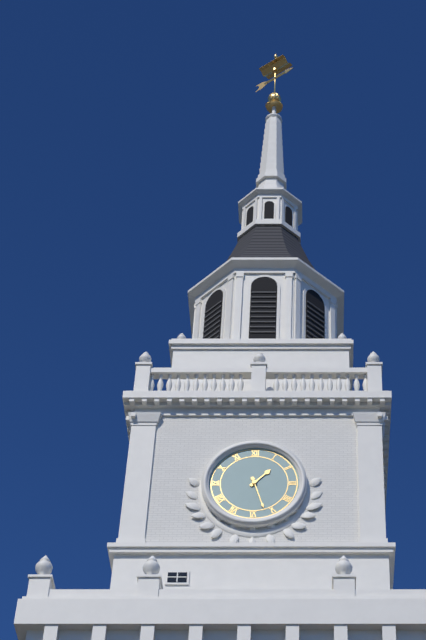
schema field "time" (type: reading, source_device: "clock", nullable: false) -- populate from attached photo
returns 1:27
